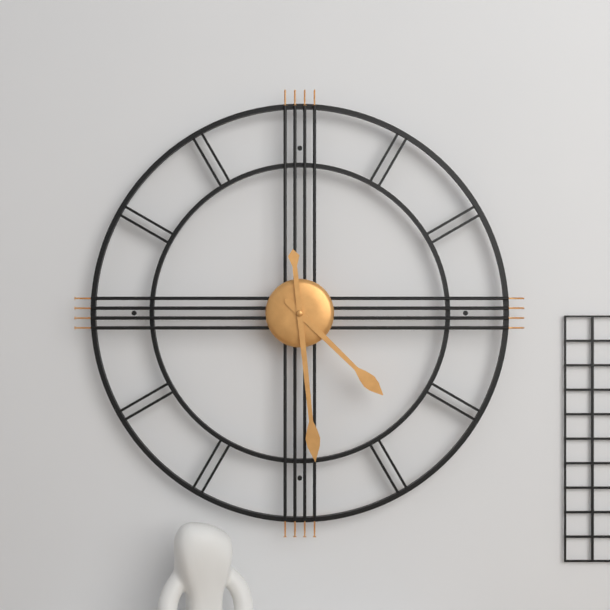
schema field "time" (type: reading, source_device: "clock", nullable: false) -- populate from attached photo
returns 4:29
